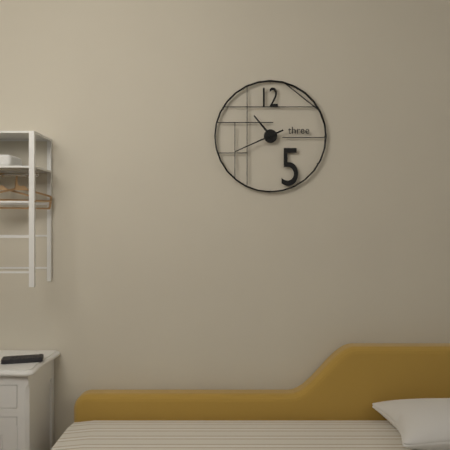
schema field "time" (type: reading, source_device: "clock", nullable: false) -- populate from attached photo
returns 10:41
